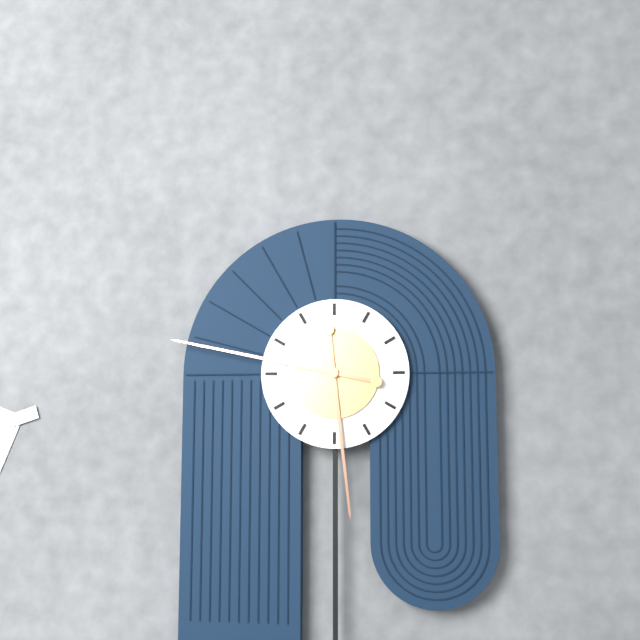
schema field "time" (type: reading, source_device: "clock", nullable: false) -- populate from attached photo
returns 5:47
